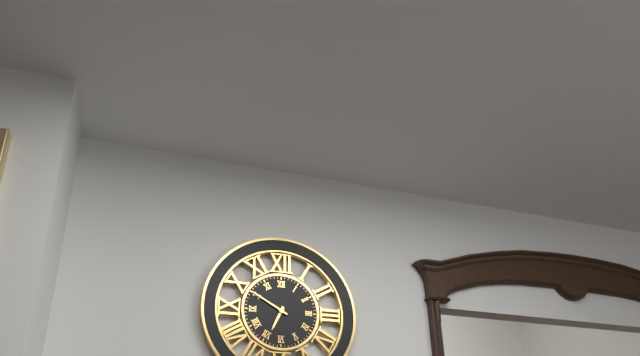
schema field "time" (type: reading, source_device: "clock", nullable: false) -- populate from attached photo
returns 6:50
